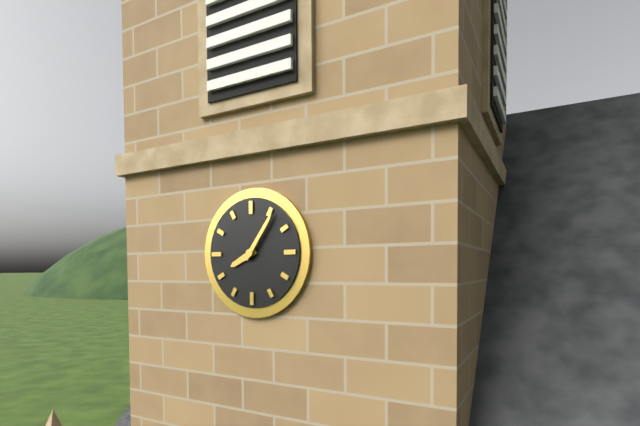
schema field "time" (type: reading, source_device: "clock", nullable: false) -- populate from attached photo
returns 8:06
